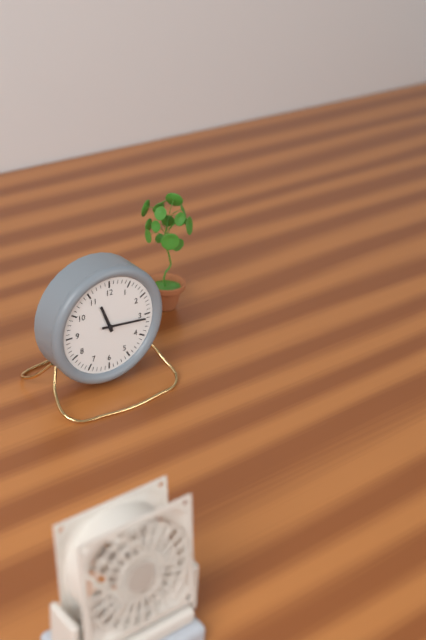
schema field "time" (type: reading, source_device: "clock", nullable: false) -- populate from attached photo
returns 11:16
